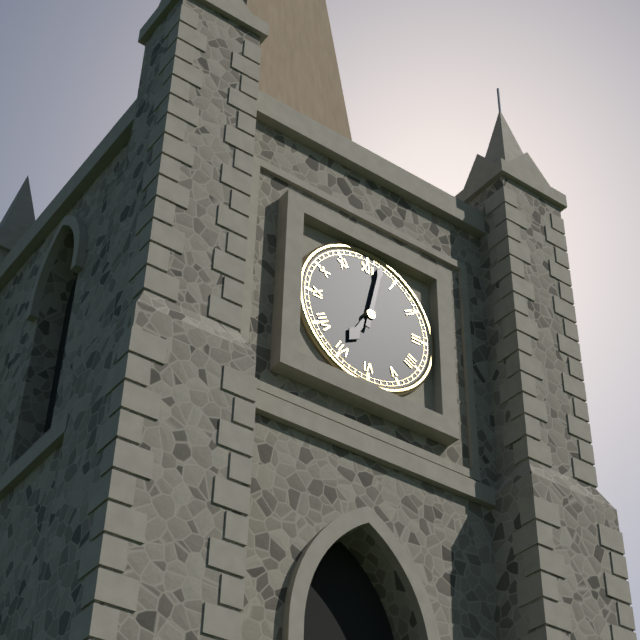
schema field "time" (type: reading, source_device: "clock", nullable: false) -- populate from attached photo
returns 7:02
